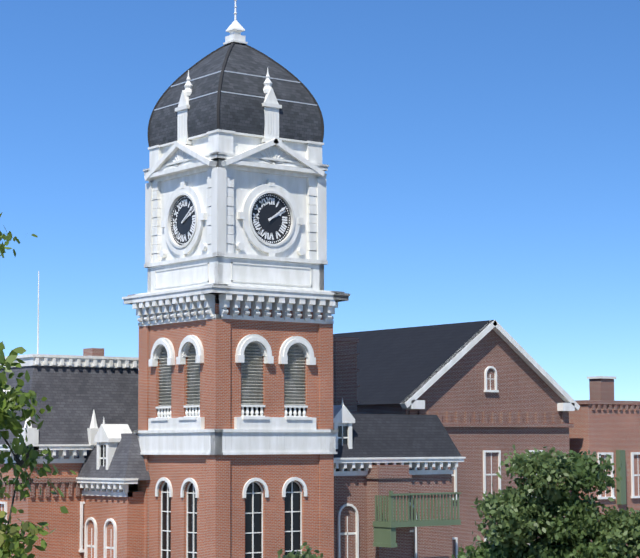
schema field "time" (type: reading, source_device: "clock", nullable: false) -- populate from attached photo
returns 2:09
